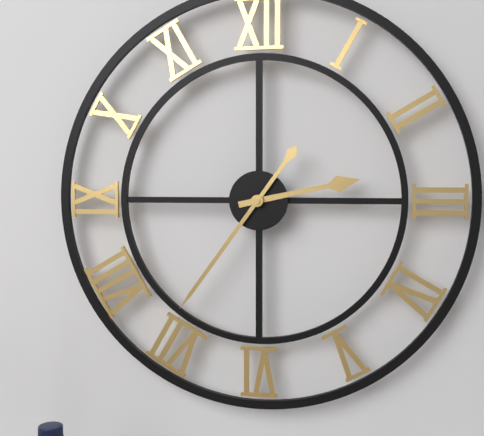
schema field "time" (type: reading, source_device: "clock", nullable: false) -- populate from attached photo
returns 2:36
